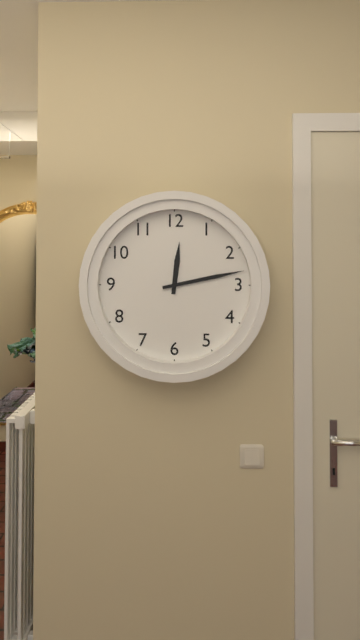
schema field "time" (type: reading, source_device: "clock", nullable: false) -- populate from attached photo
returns 12:13
